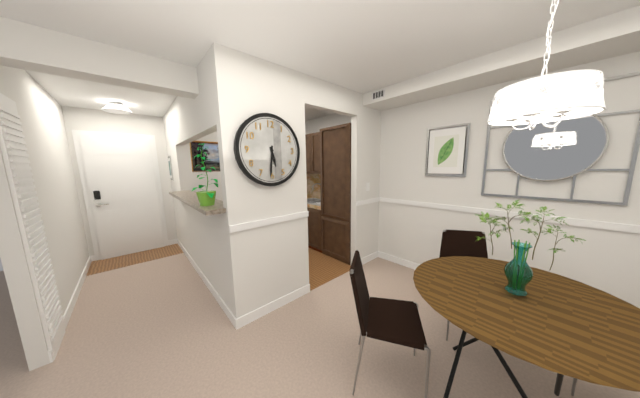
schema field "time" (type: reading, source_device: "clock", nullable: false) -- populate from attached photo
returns 5:31
